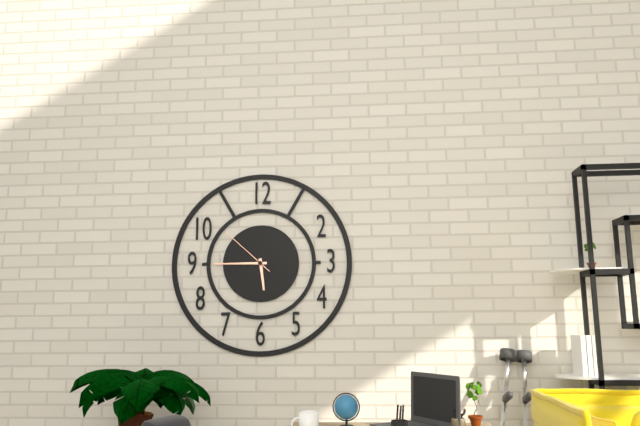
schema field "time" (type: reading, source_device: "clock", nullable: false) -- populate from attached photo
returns 5:45:52
